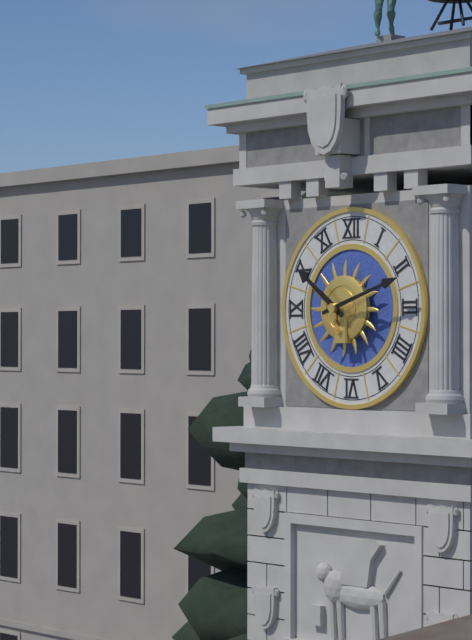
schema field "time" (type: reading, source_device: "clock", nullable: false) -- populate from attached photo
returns 10:12
